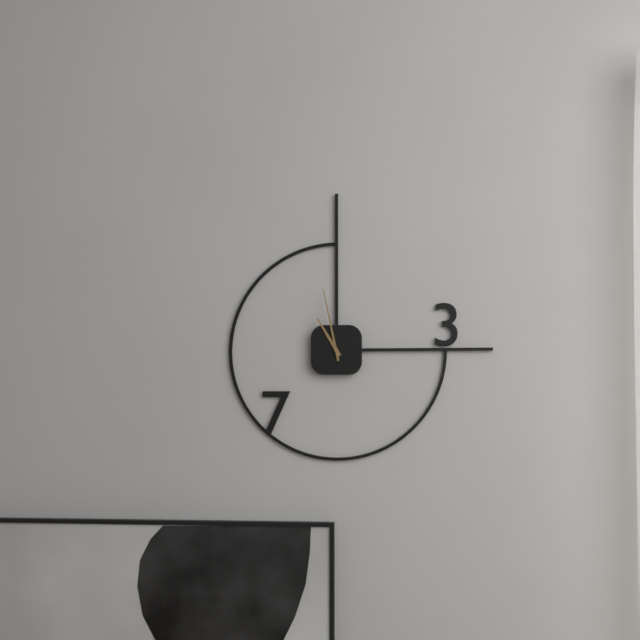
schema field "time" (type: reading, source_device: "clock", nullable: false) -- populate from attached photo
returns 10:58
